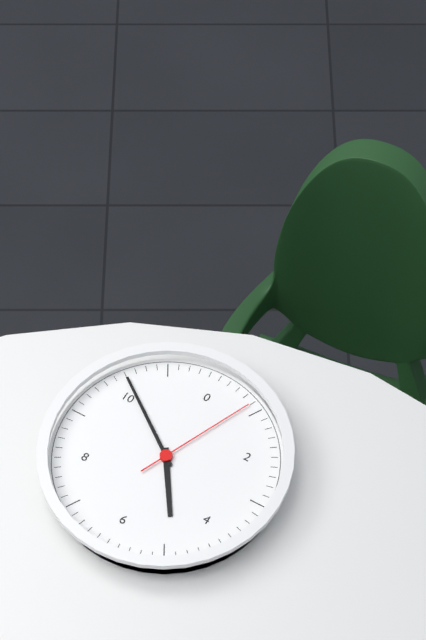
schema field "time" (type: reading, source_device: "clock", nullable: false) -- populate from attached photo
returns 4:51:04
